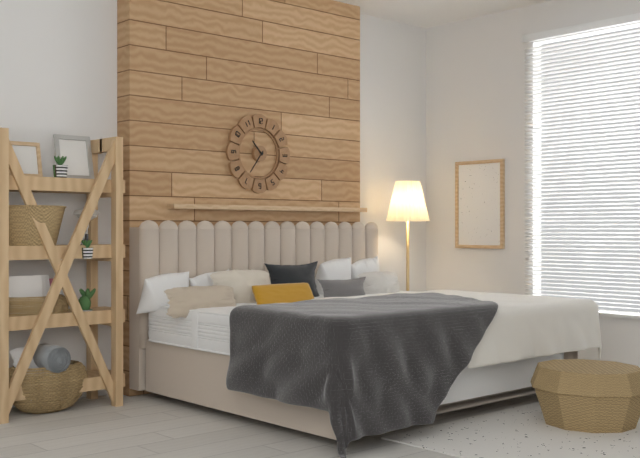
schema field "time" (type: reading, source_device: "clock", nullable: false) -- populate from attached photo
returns 10:36
